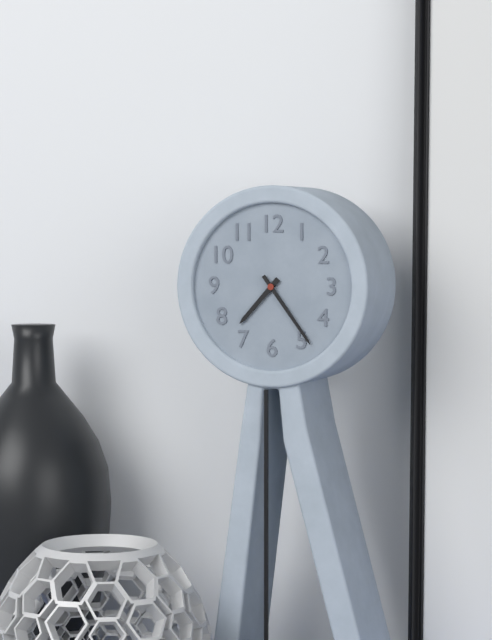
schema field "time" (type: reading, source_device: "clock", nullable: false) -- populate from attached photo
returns 7:24
